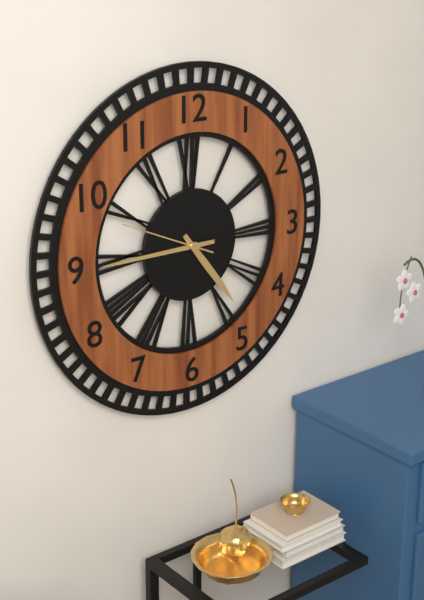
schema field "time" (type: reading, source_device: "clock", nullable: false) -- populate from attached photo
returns 4:45:49
